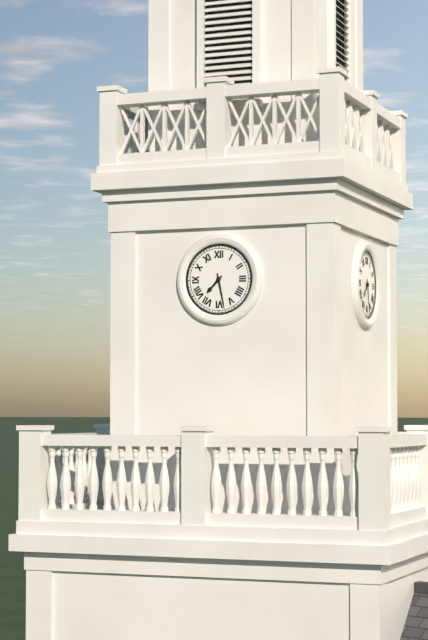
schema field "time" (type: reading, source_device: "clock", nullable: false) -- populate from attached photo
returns 7:28
